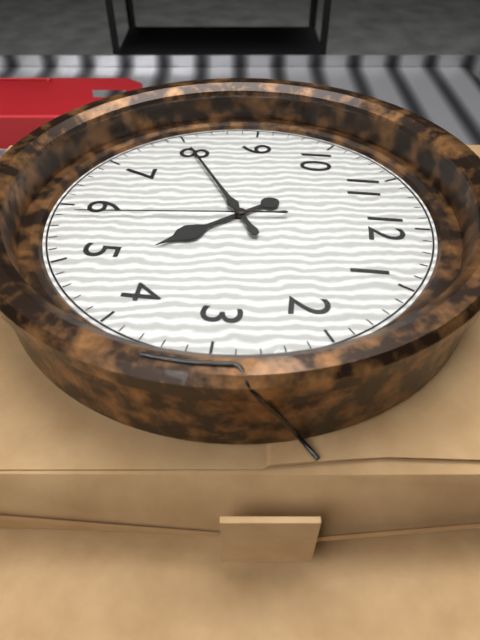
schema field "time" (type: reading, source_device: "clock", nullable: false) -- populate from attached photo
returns 4:40:29
